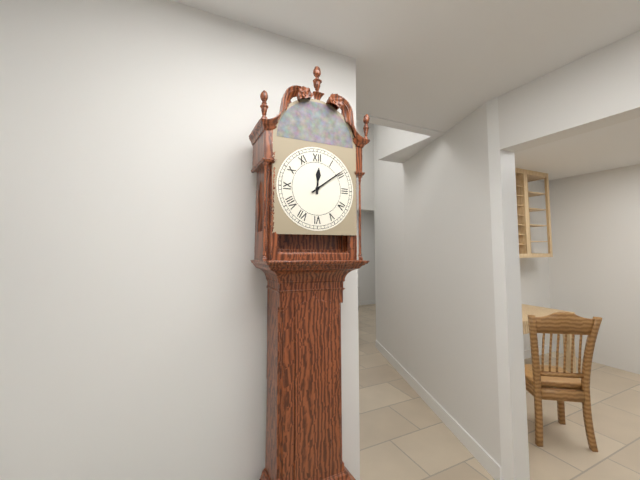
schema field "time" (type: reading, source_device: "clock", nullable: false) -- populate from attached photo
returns 12:09
